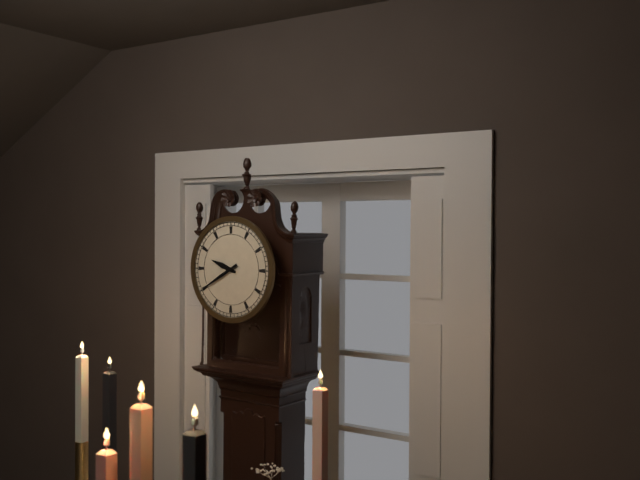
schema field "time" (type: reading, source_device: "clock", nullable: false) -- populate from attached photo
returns 9:40
